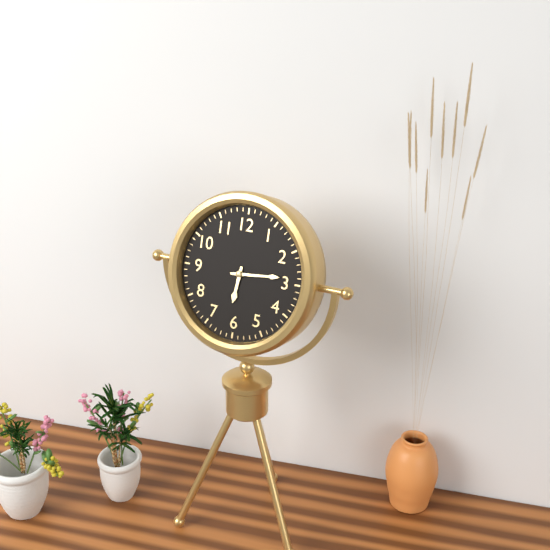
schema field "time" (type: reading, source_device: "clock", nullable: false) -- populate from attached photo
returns 6:14
